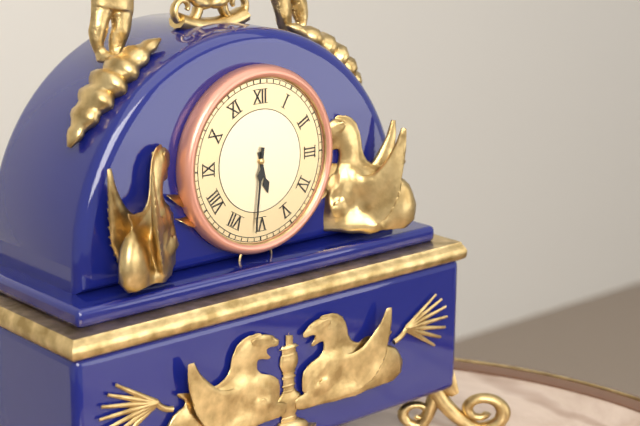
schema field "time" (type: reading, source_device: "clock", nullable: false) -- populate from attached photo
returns 5:31
